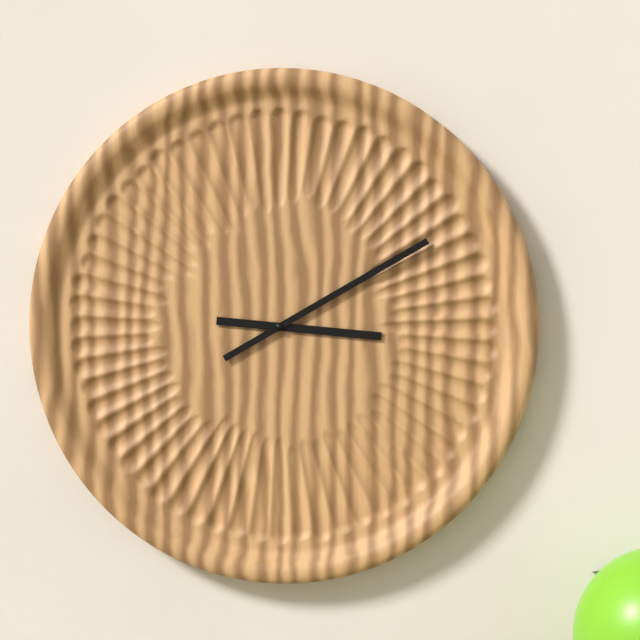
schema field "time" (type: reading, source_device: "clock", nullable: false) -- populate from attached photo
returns 3:10
